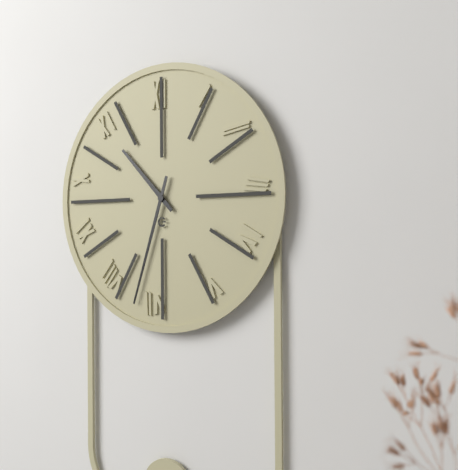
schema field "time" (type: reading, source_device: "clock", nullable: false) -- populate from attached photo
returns 10:33
